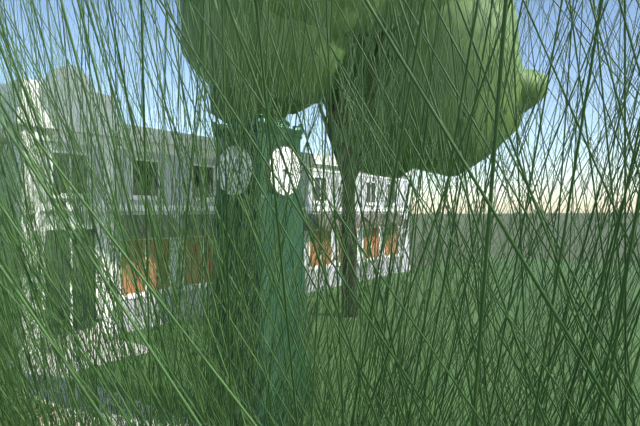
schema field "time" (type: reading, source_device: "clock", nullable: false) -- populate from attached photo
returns 3:32
